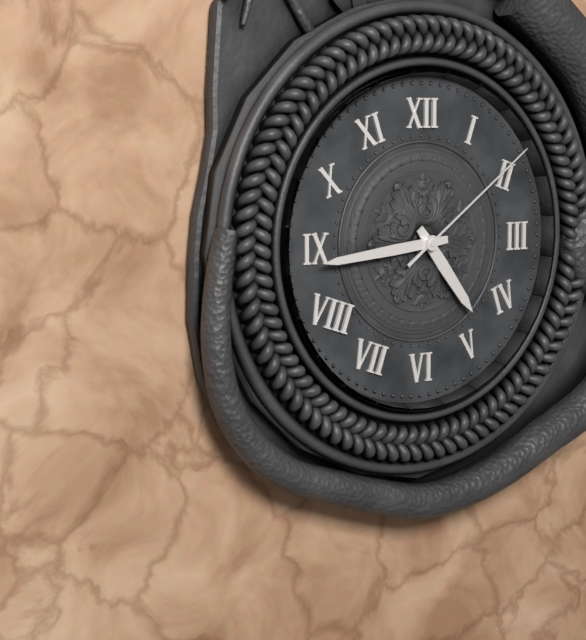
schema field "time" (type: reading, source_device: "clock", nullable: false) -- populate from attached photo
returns 4:44:09
